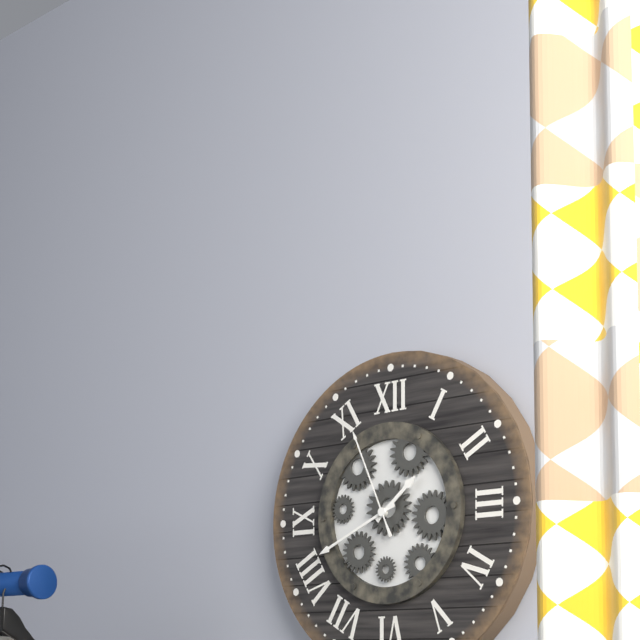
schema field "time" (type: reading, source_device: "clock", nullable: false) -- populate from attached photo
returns 1:41:56
